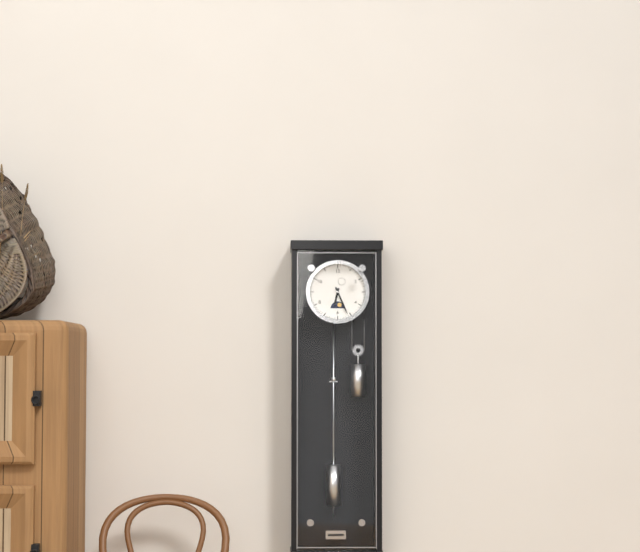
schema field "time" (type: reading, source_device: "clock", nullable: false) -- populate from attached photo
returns 6:26
